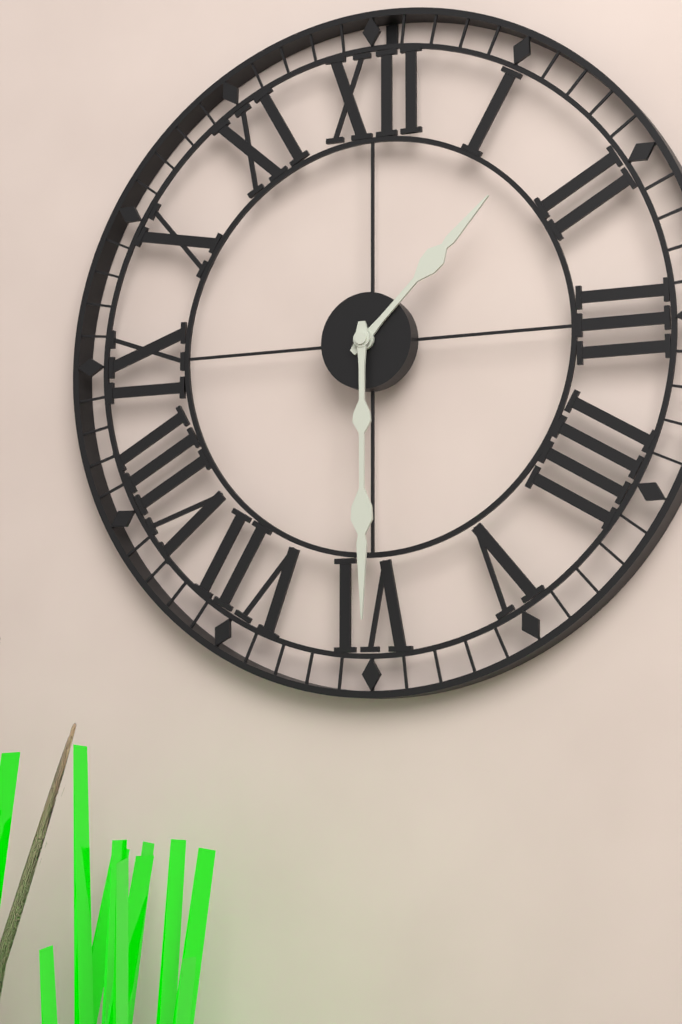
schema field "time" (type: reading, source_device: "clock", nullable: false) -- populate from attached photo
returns 1:30
